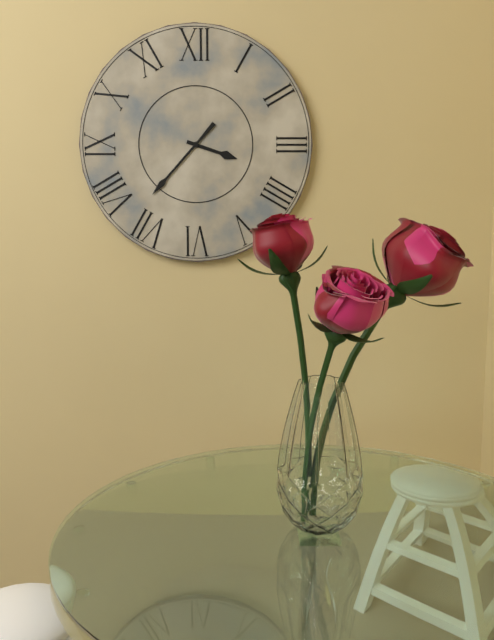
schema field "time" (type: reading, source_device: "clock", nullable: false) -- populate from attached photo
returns 3:37
